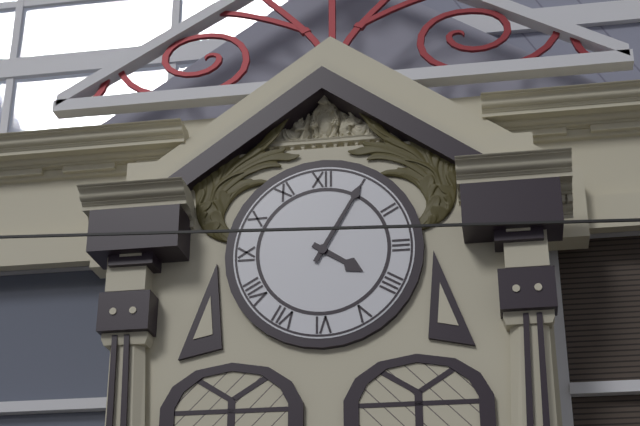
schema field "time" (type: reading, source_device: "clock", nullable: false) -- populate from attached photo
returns 4:05
